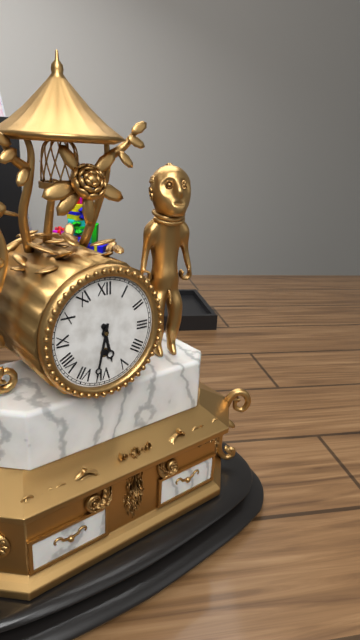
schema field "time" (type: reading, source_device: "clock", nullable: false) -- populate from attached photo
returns 5:32
